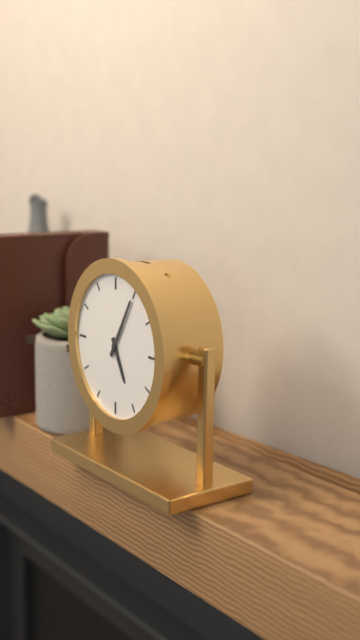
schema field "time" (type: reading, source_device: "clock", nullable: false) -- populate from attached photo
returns 5:05
